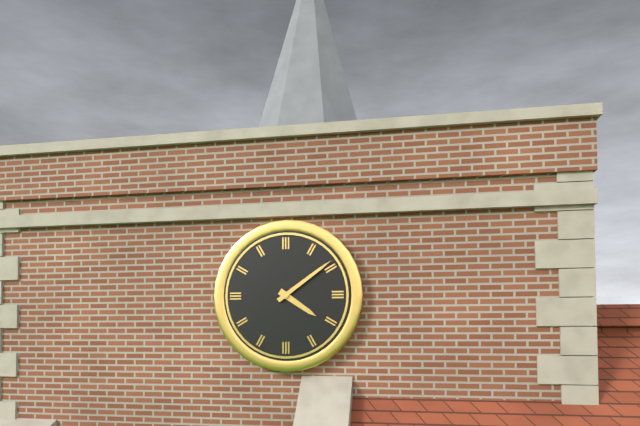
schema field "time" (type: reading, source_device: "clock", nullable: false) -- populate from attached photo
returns 4:09
